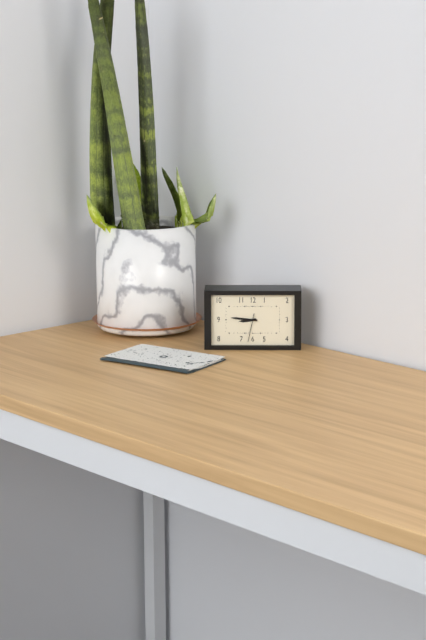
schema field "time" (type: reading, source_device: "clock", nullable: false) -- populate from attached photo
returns 8:46
